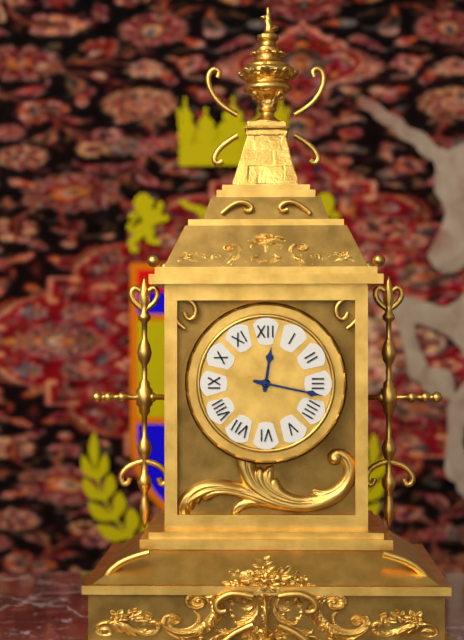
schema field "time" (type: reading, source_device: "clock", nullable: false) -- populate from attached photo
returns 12:17
